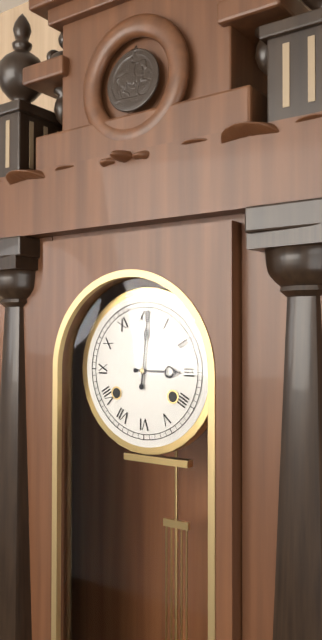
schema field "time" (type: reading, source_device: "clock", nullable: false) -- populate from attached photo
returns 3:01
